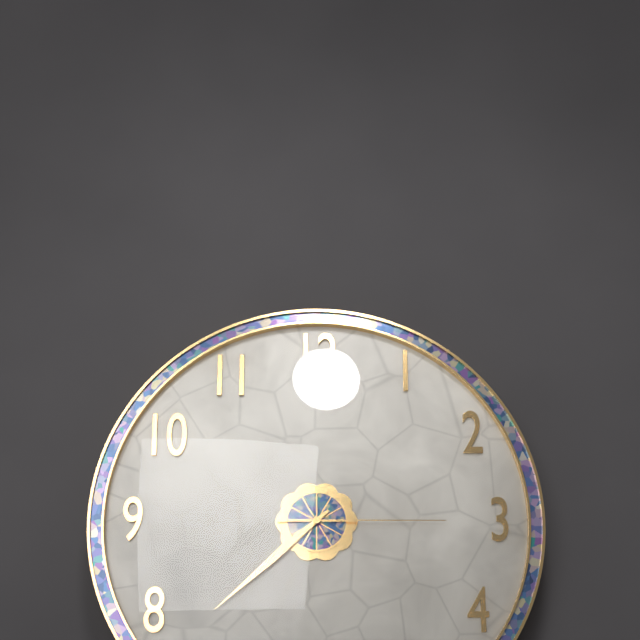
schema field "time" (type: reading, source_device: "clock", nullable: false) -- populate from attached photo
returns 7:38:15
